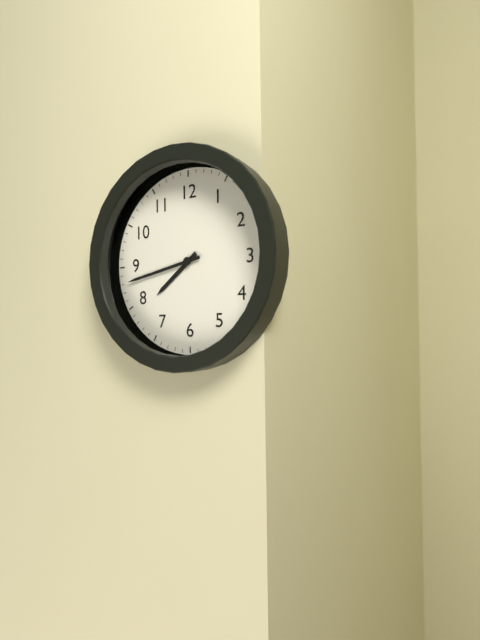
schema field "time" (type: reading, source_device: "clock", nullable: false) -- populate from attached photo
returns 7:43
